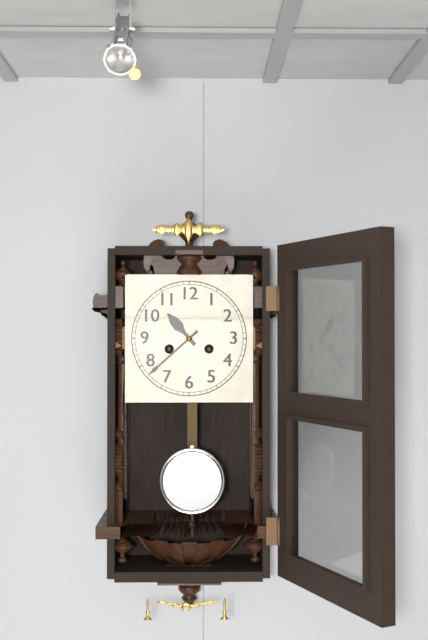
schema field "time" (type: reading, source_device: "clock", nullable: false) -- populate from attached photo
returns 10:38
